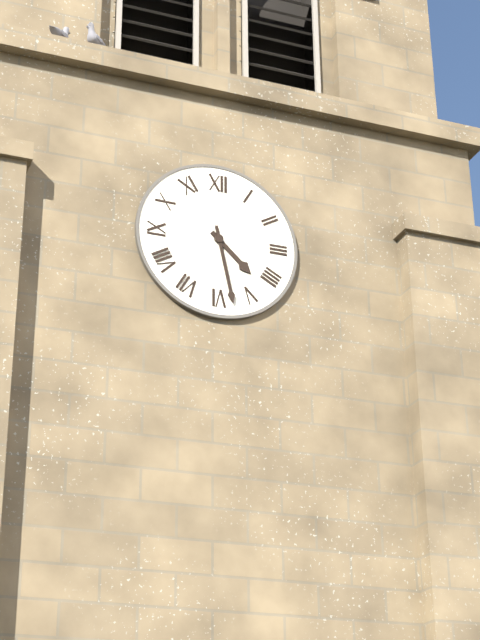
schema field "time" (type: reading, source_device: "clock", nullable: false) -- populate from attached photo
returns 4:28
